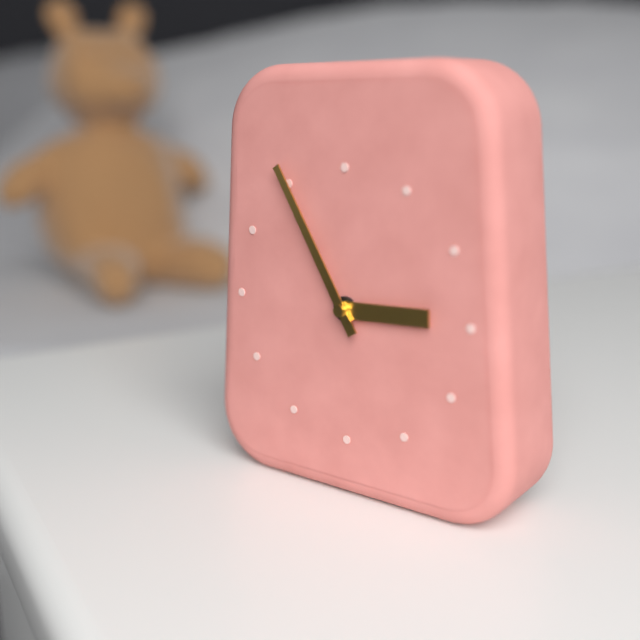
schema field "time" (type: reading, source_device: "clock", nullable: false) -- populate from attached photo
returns 2:55
